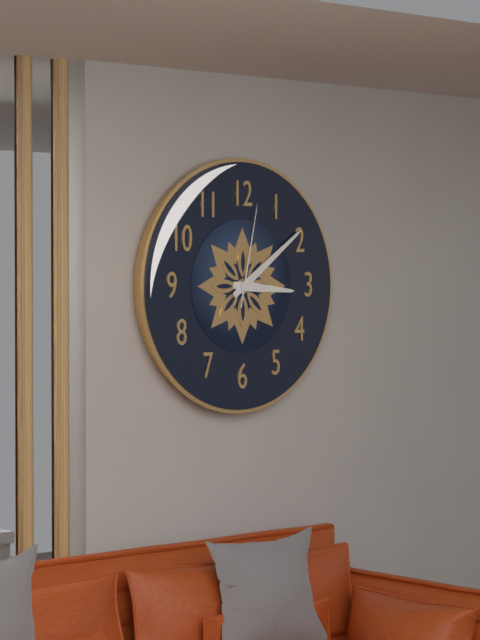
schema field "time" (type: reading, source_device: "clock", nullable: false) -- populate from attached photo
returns 3:09:02
